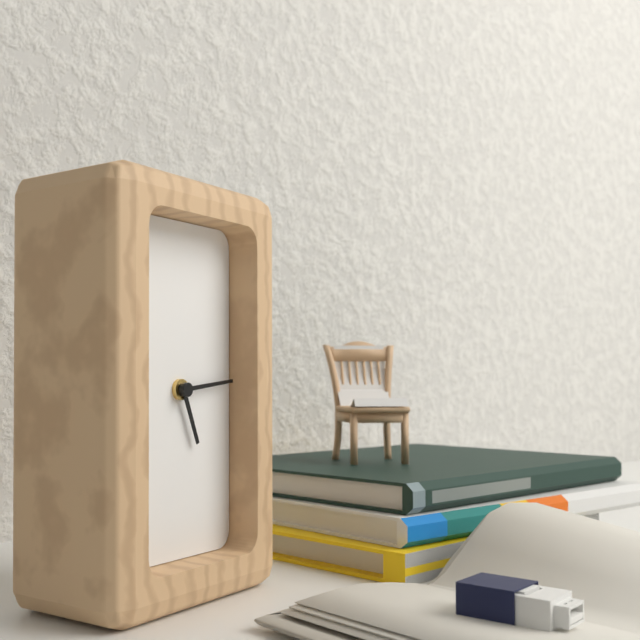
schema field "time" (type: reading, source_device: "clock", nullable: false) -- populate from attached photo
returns 5:14
